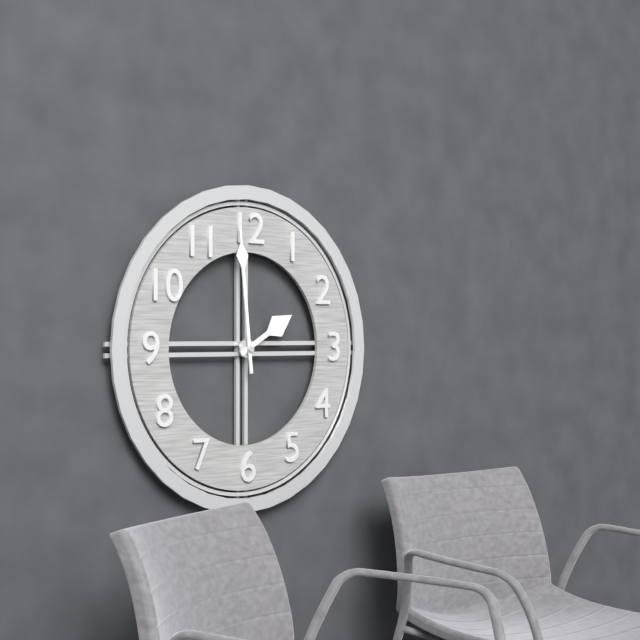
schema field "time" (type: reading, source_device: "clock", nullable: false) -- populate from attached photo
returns 1:59
